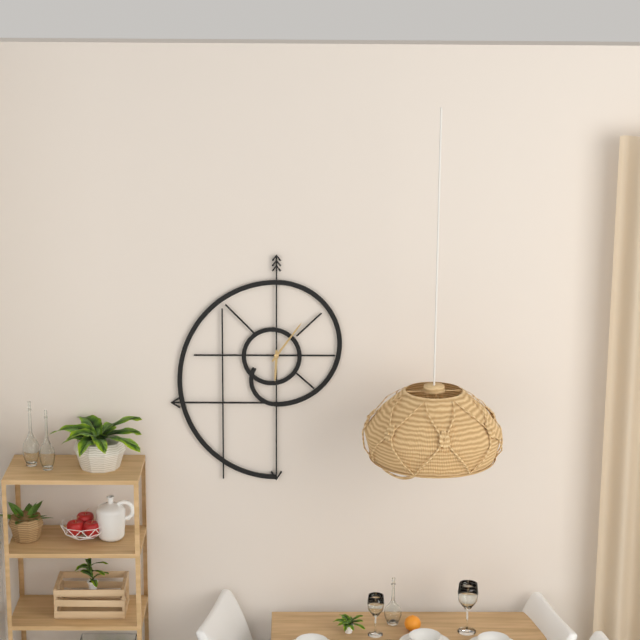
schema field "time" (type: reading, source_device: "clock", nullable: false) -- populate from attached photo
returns 6:06
